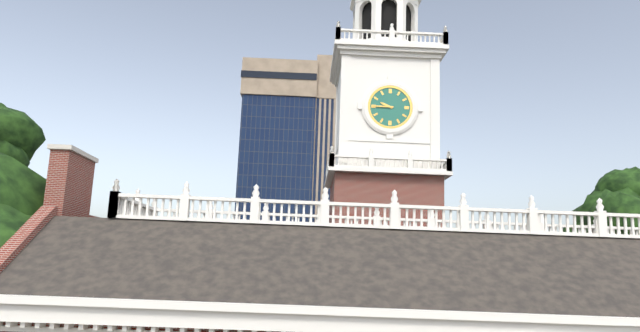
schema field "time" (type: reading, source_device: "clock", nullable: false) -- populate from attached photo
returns 9:45
